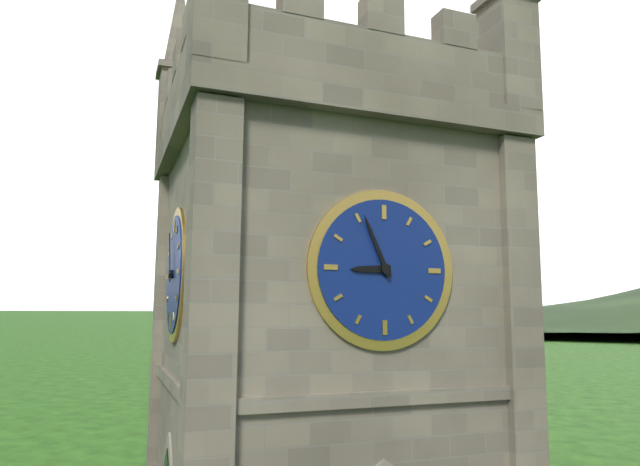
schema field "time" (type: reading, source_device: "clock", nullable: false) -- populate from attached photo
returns 8:56
